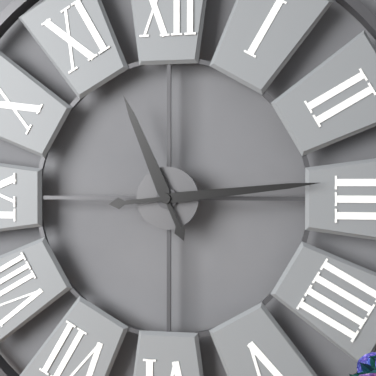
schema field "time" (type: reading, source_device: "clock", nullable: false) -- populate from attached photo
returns 11:14
